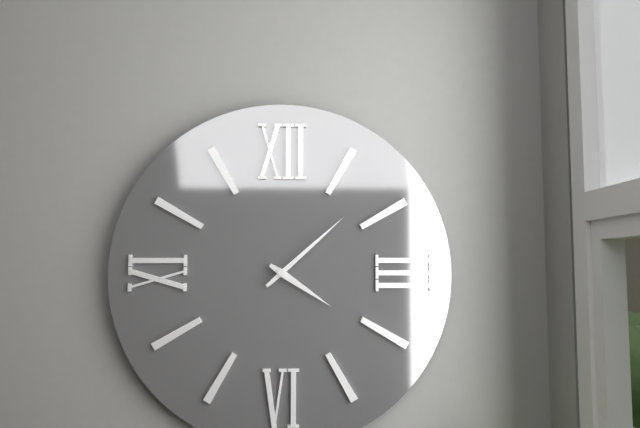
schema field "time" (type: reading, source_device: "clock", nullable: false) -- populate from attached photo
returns 4:08
